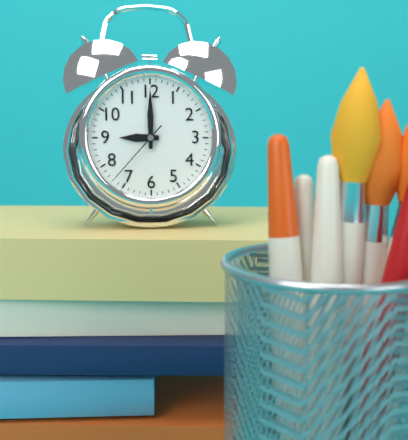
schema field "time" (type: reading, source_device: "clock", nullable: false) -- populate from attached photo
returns 9:00:37
